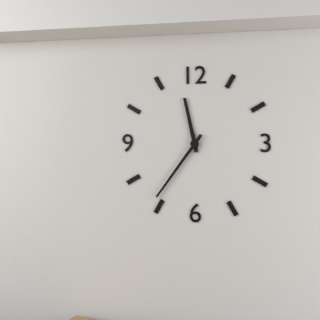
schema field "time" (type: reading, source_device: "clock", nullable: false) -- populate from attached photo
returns 11:36
